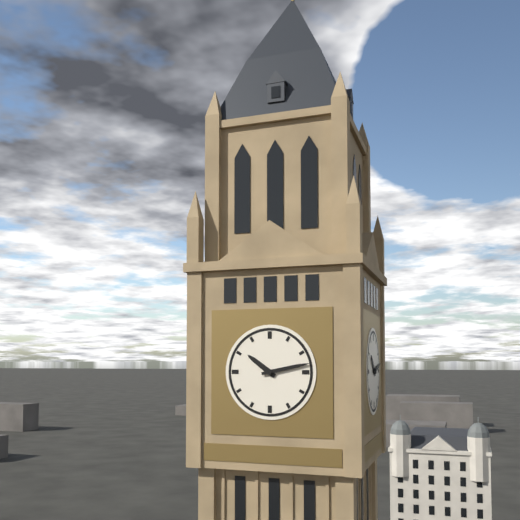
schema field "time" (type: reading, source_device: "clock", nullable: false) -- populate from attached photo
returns 10:13
